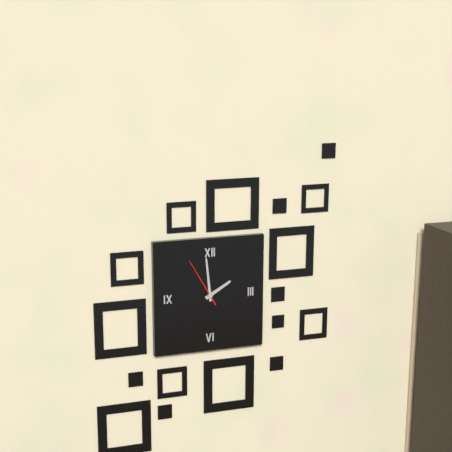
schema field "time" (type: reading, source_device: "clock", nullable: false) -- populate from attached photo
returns 1:59:55
